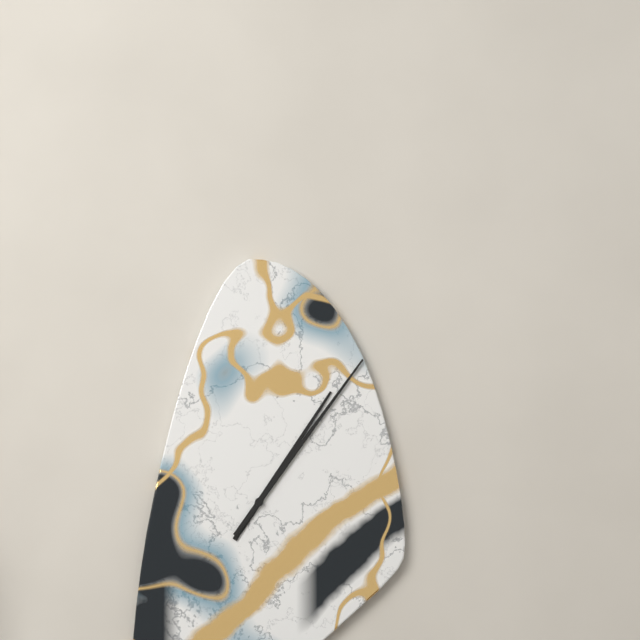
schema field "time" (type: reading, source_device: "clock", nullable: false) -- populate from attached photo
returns 1:06
